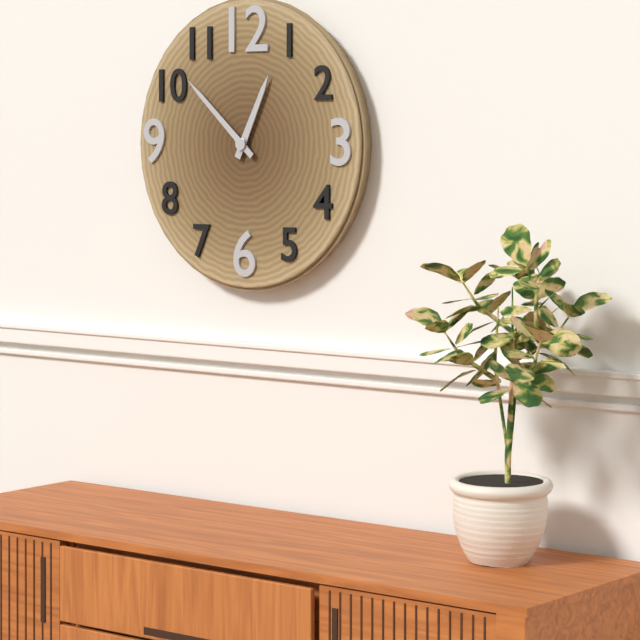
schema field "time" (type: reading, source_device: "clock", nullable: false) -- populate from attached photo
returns 12:52
